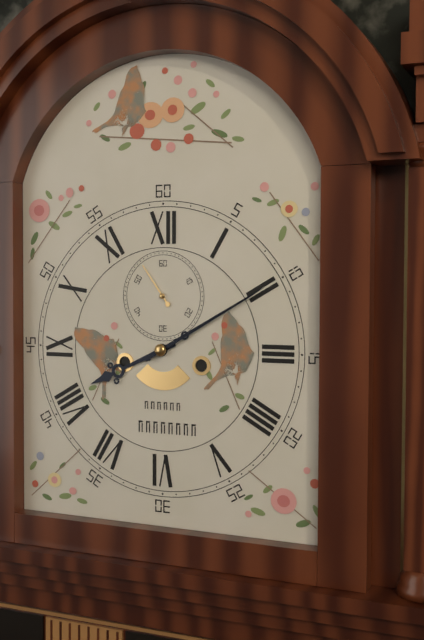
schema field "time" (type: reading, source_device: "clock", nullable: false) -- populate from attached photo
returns 8:10
